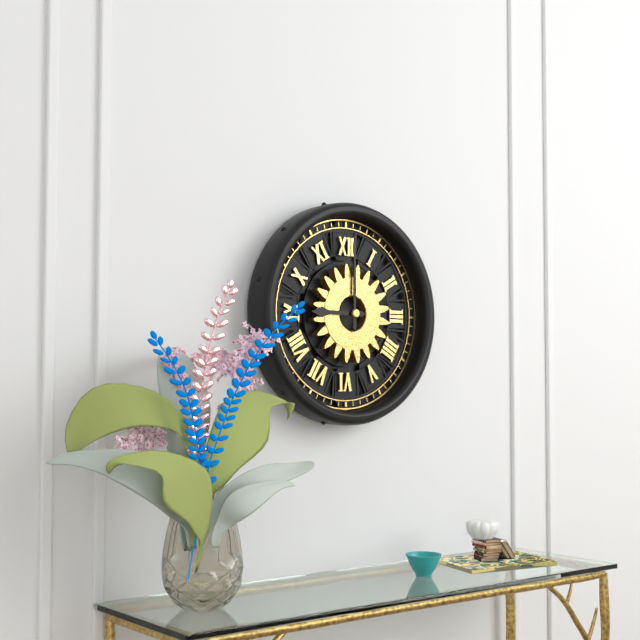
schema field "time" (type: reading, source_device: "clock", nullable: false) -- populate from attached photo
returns 9:00
